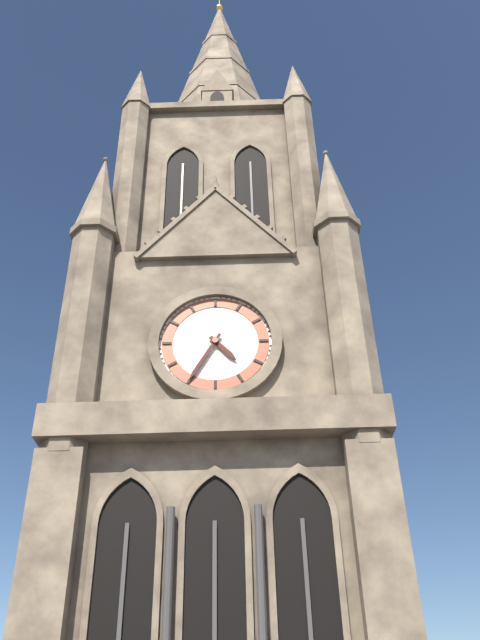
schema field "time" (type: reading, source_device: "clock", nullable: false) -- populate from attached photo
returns 4:35
